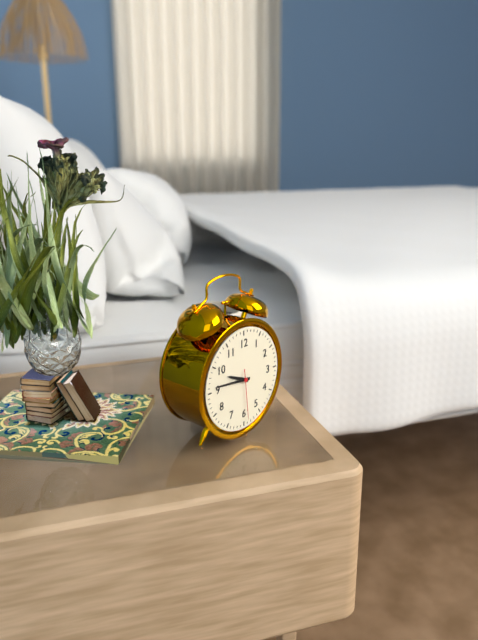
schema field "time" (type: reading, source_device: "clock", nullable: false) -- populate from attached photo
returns 9:46:29
